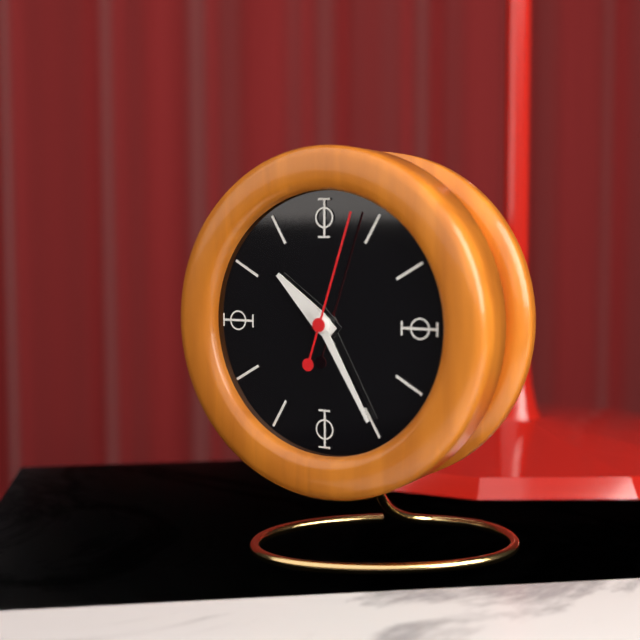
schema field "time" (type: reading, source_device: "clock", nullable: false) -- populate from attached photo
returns 10:25:03
